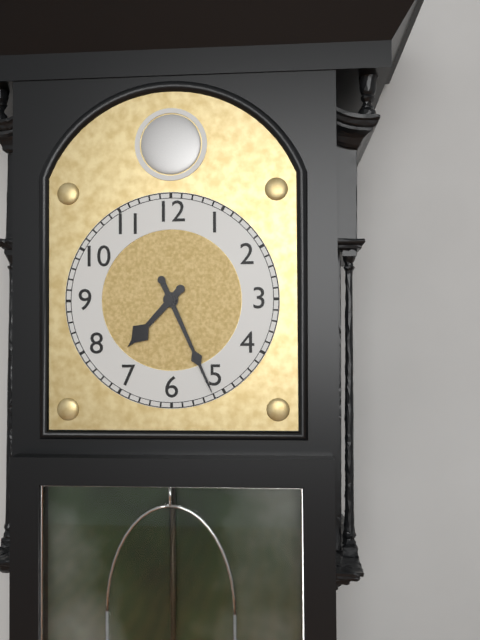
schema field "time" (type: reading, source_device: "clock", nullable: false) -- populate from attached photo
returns 7:26
